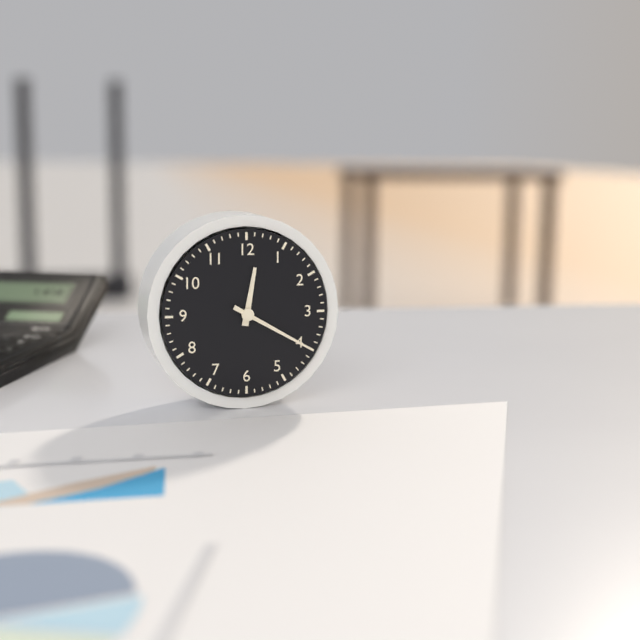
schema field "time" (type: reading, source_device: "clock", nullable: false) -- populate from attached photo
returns 12:20
